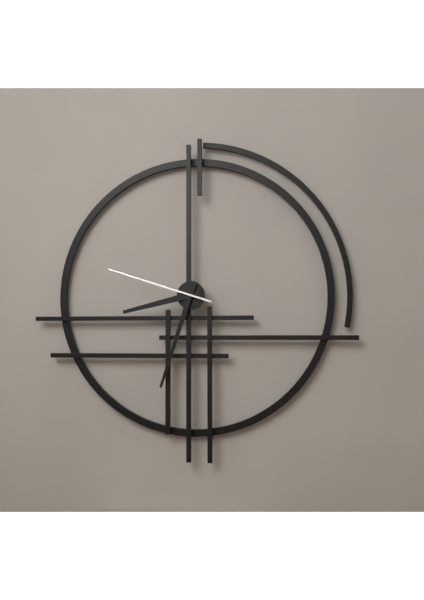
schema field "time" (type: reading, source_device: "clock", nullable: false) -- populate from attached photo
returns 8:33:48
